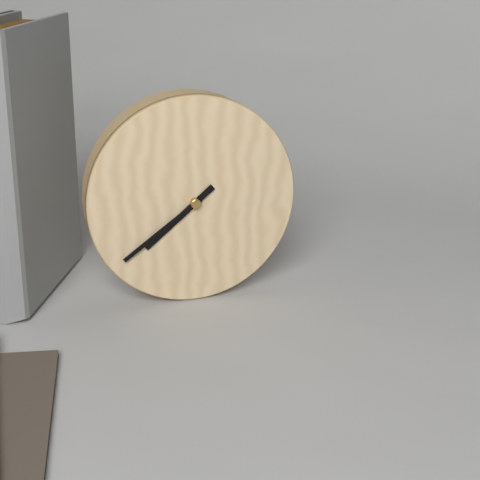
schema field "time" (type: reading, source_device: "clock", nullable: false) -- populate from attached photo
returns 7:39
